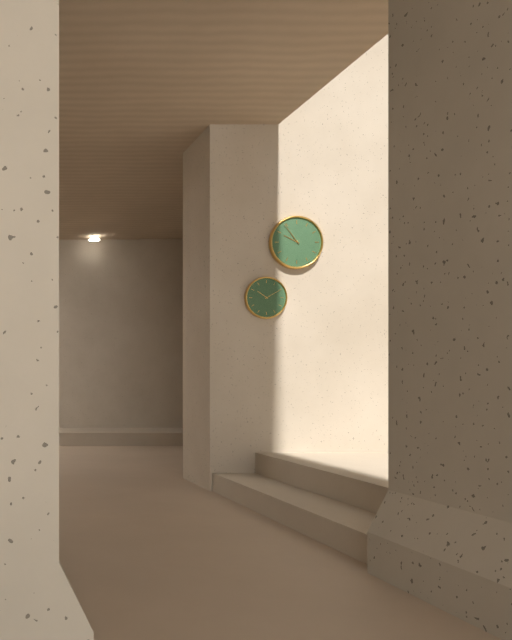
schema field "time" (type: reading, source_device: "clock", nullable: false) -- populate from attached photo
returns 9:54
